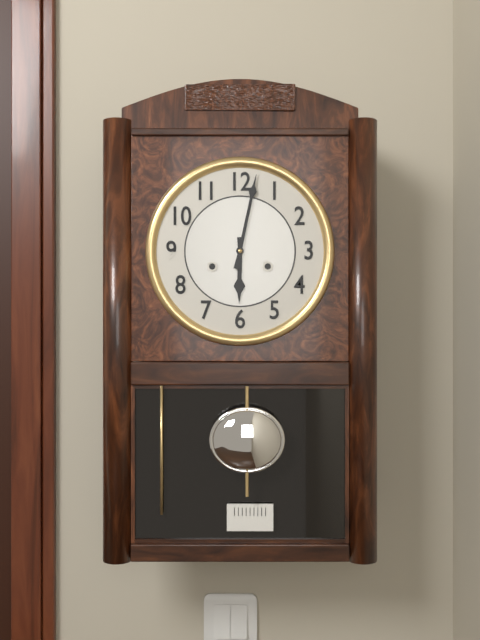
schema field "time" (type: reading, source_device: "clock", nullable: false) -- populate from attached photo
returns 6:02
